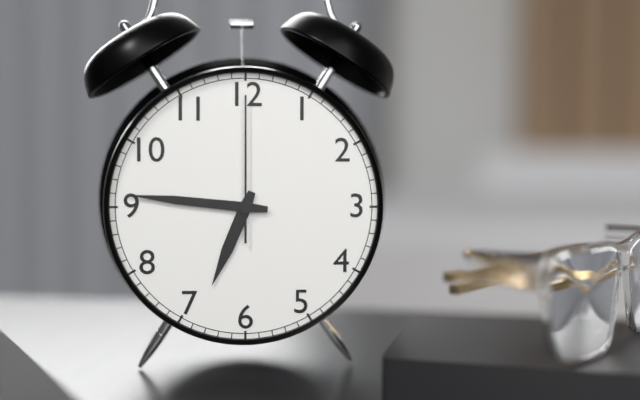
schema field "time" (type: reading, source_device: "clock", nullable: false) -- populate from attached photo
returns 6:46:00
